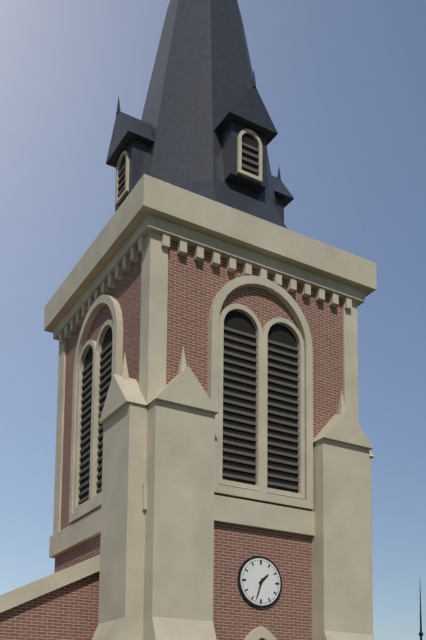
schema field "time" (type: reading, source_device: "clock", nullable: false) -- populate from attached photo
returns 1:33
